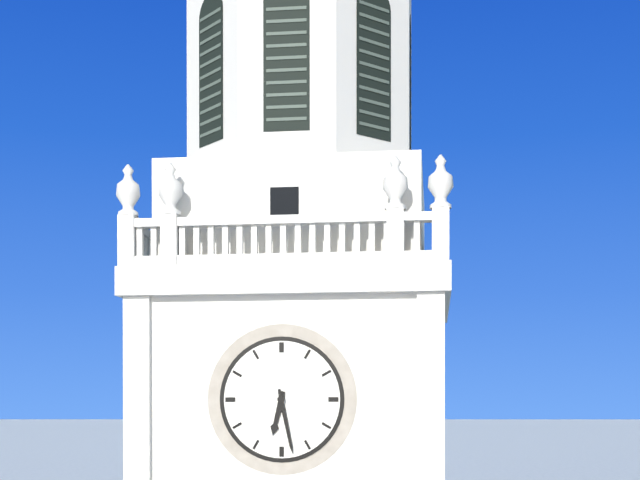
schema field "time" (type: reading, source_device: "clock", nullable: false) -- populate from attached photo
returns 6:28
